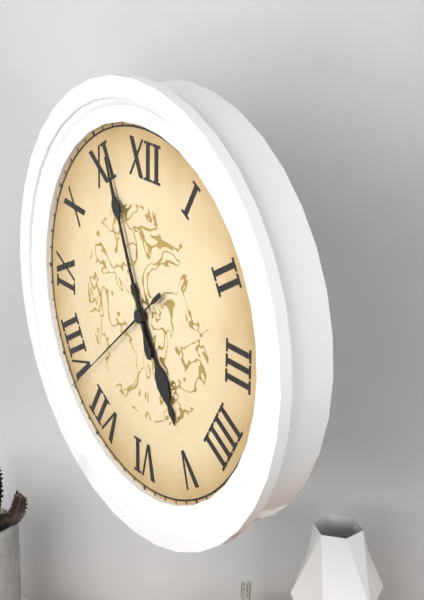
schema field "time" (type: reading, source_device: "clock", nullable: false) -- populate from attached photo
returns 4:56:38
